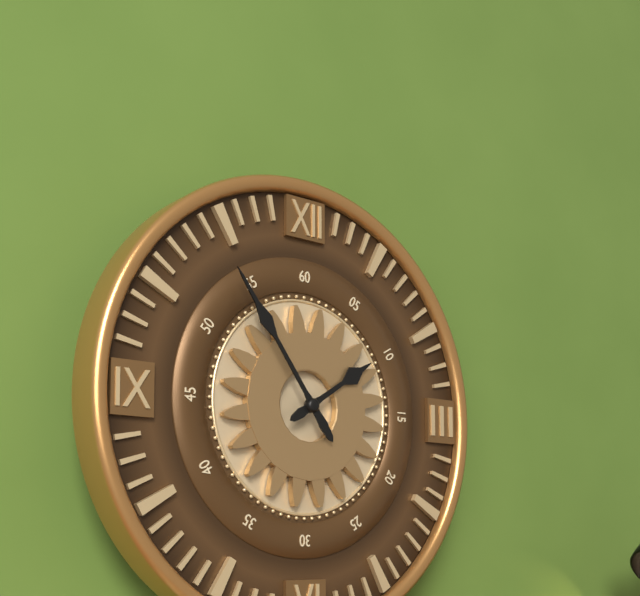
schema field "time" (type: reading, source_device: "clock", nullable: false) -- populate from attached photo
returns 1:54
